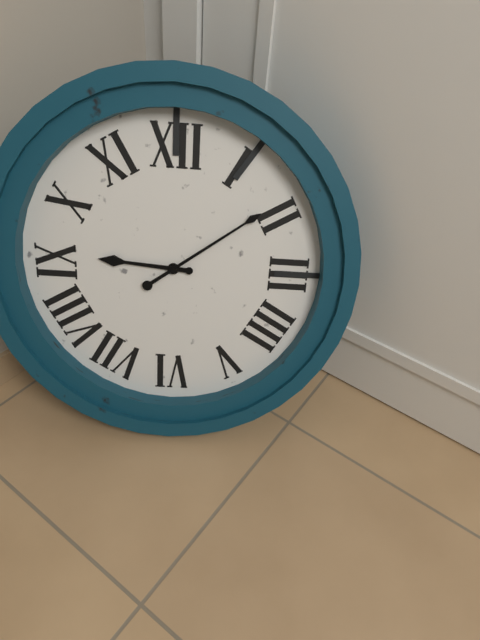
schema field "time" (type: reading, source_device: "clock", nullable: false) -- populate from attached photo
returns 9:09
